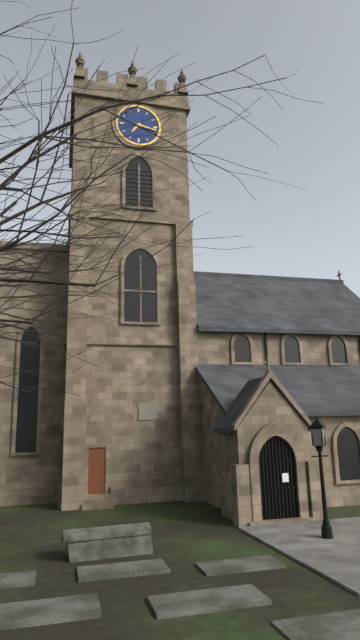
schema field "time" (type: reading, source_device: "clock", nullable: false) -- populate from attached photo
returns 7:17
